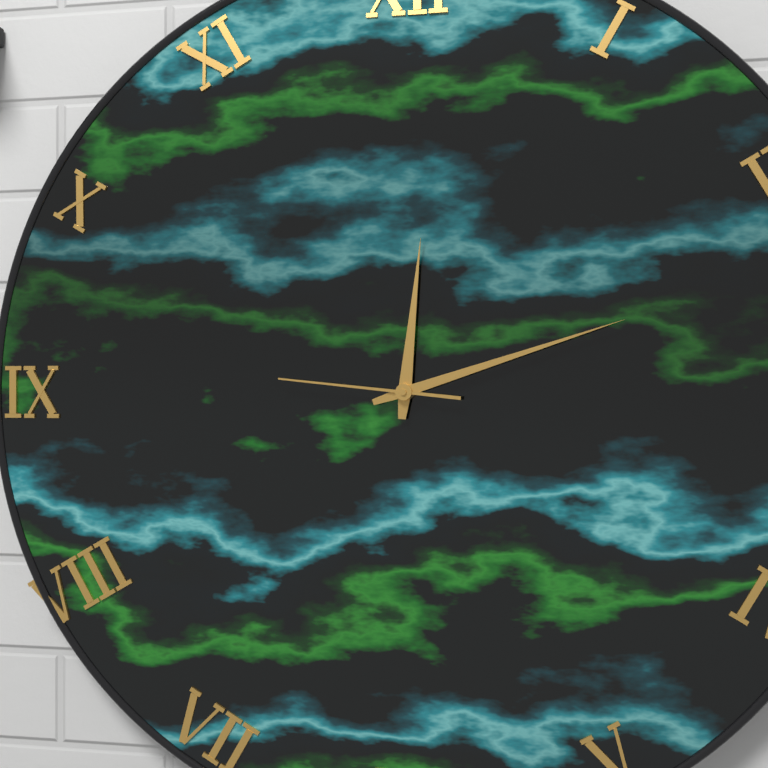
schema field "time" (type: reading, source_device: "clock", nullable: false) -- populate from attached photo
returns 12:12:46
